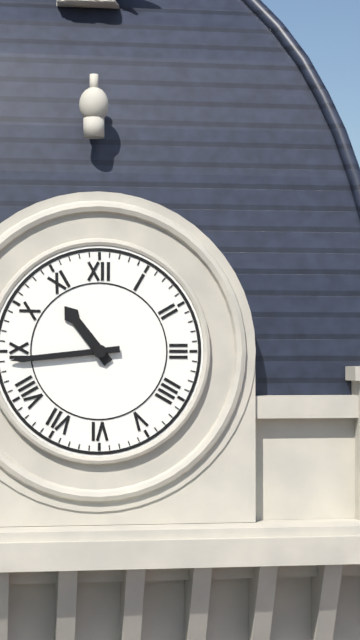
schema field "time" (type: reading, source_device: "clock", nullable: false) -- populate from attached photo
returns 10:44
